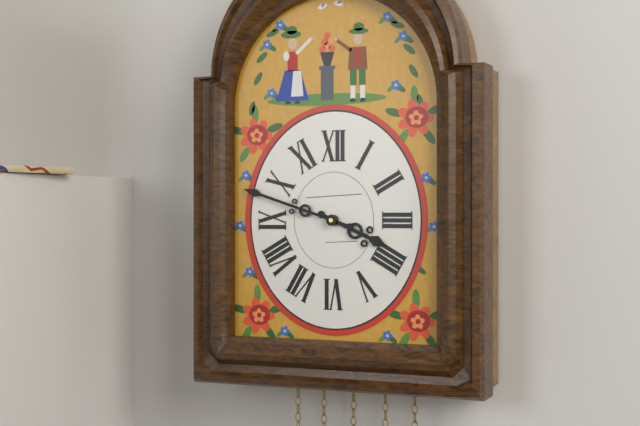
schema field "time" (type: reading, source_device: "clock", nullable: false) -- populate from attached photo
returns 3:48
